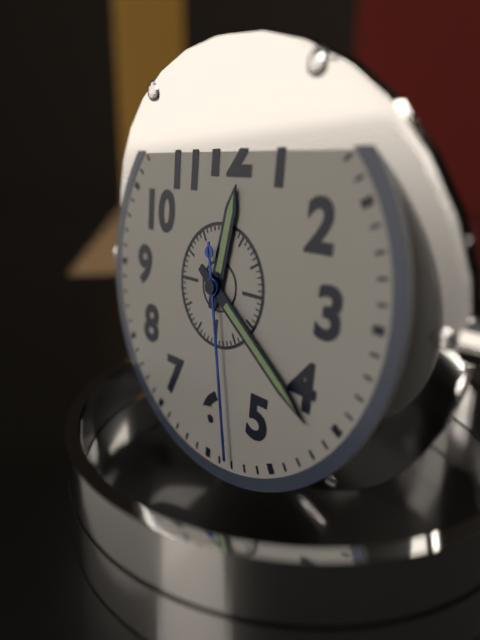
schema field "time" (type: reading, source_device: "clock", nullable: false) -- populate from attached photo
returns 12:21:28
